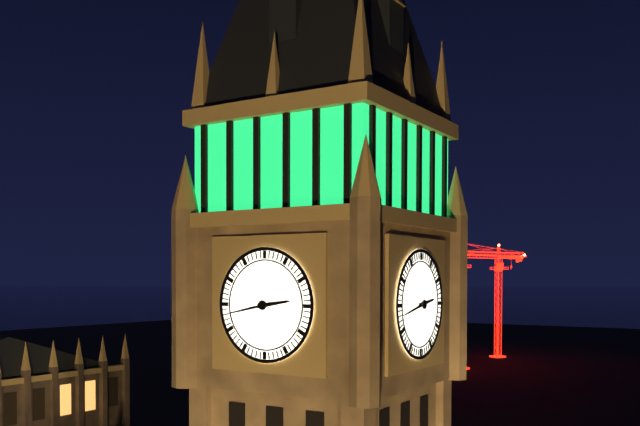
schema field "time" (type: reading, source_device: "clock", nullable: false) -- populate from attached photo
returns 2:43
